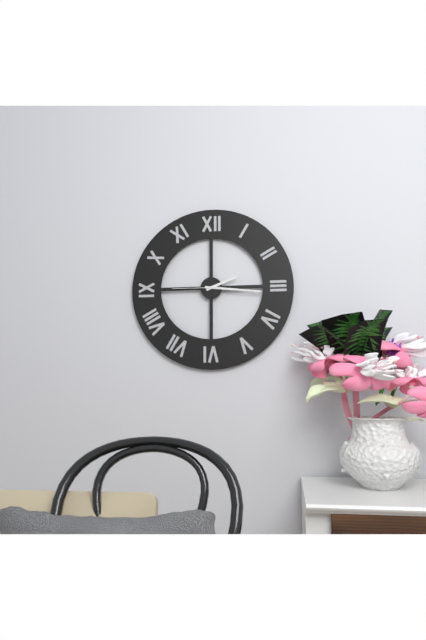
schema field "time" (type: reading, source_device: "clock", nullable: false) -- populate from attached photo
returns 2:16
